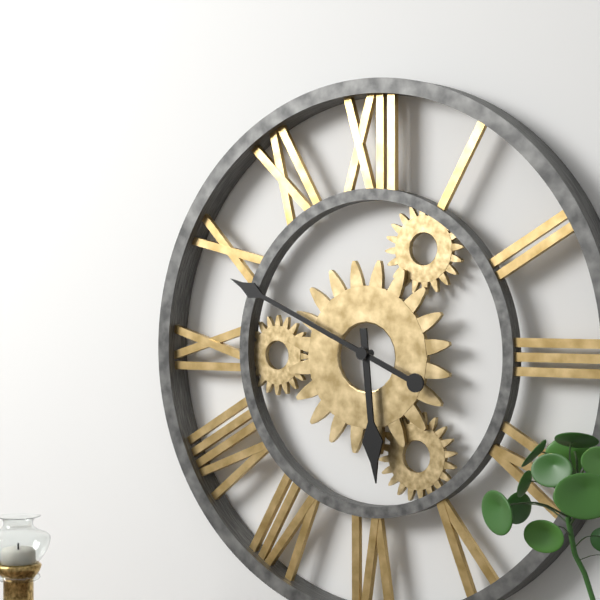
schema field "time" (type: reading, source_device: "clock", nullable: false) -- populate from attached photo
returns 5:49
